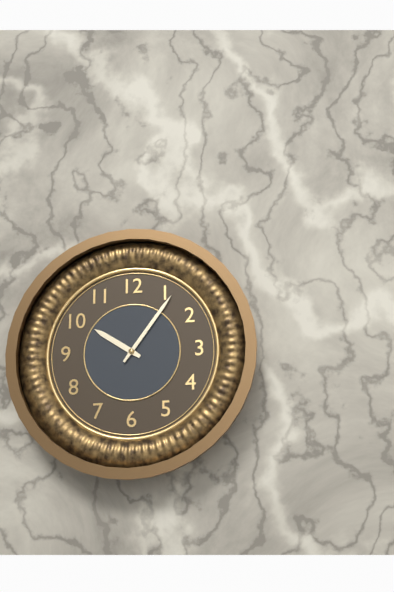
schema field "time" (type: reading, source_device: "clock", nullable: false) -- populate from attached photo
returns 10:06
